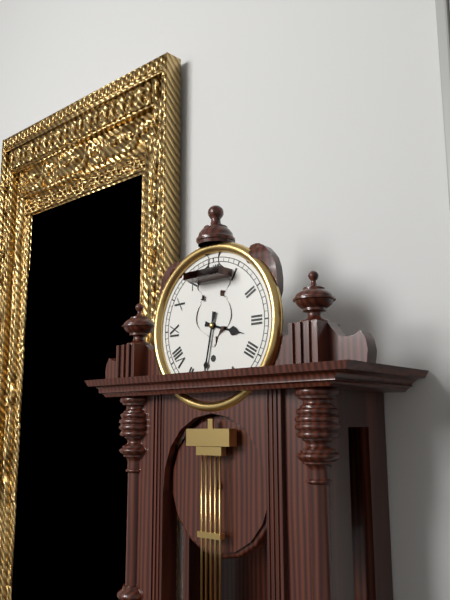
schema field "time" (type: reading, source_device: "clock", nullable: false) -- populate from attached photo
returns 3:32
